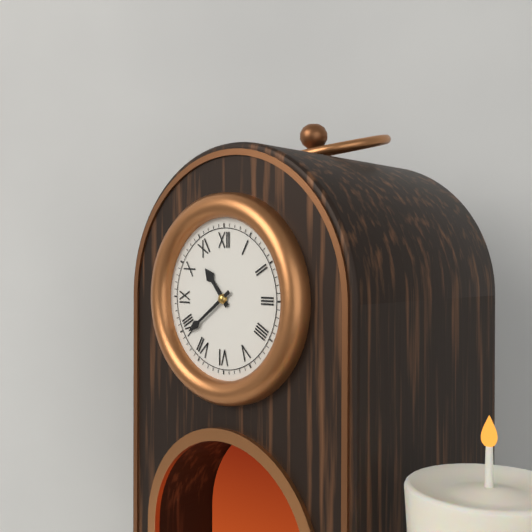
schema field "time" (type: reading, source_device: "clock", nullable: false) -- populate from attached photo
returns 10:39
